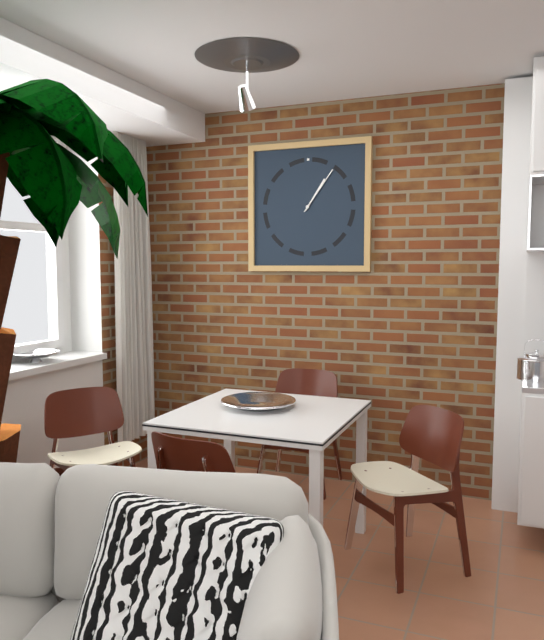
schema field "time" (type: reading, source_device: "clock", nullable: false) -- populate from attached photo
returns 1:06
